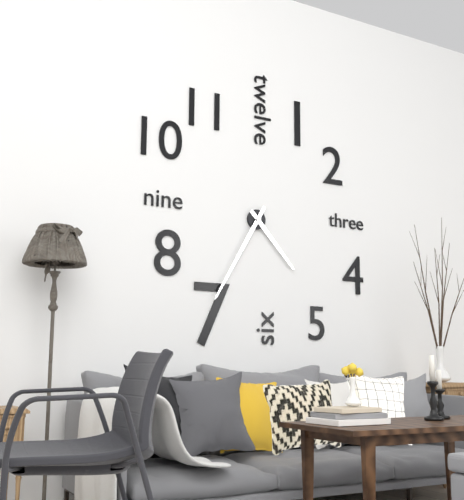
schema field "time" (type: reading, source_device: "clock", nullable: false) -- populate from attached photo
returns 4:35
